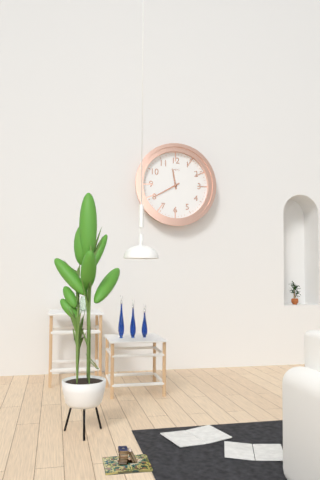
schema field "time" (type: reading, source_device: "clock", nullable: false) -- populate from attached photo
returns 11:40
